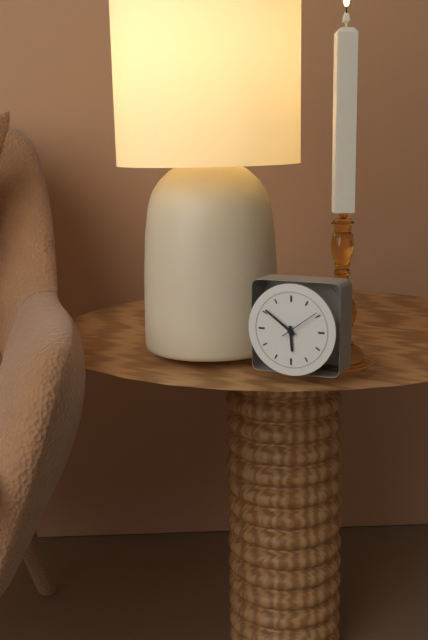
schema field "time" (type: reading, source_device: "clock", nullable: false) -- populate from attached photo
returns 5:51
